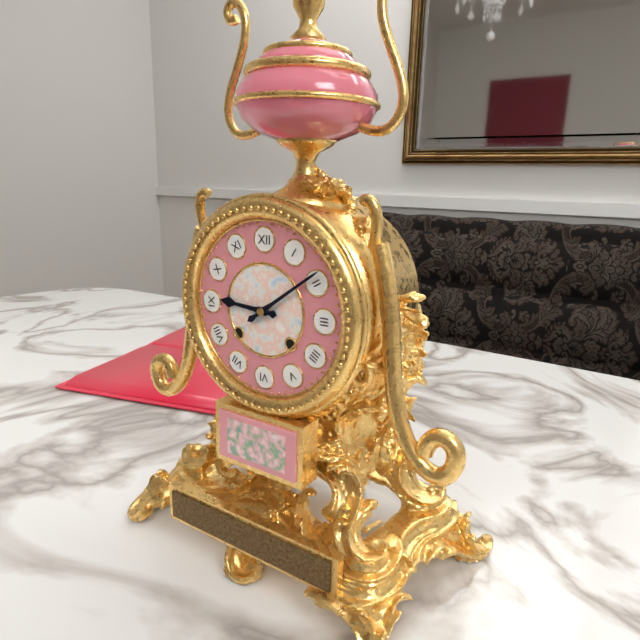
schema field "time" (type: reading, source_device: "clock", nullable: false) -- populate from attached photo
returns 9:09
